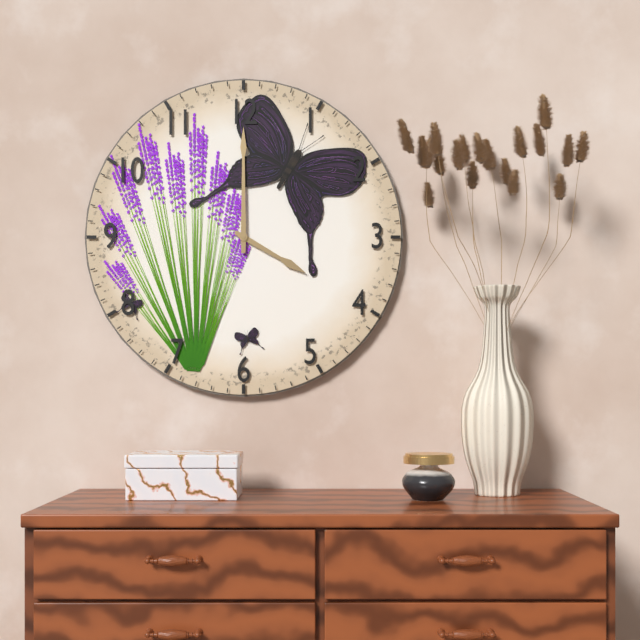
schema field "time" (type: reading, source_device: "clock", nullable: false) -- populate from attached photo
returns 4:00
